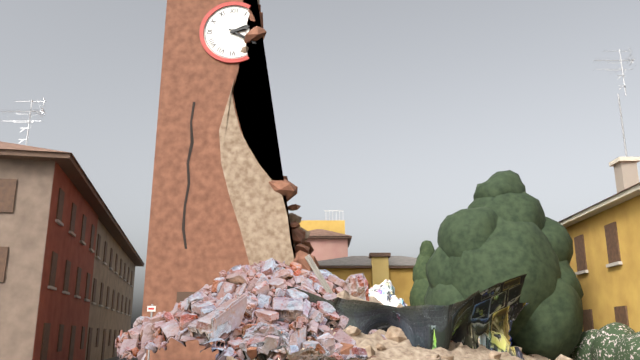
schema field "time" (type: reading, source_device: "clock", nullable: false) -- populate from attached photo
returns 2:20
